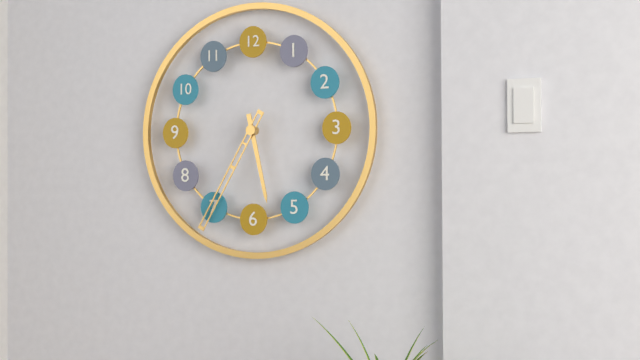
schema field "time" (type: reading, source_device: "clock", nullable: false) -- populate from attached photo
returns 5:35
